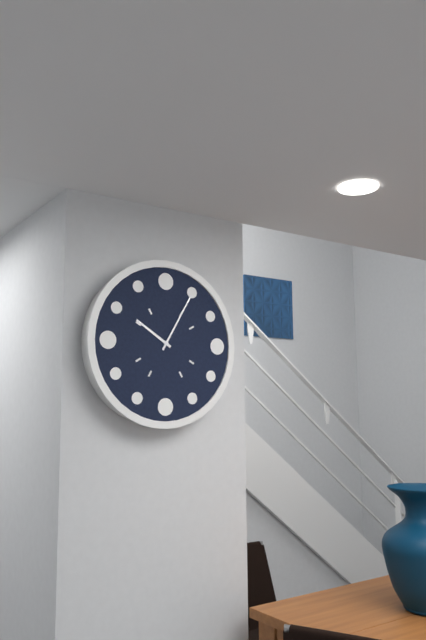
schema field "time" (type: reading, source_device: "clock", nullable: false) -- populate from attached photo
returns 10:05
